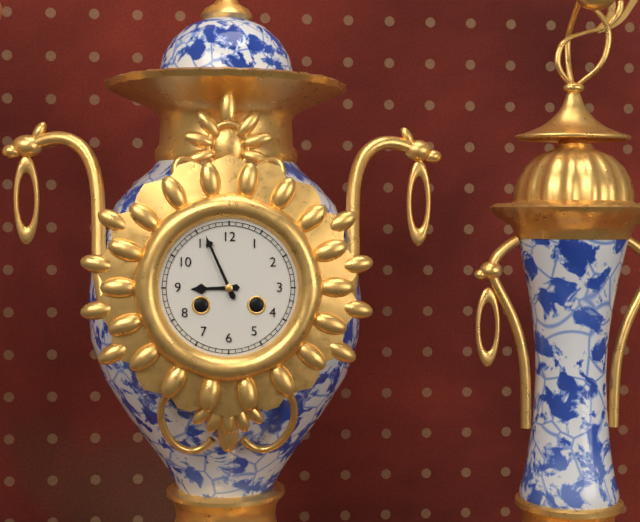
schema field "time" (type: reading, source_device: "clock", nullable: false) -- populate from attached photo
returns 8:56
